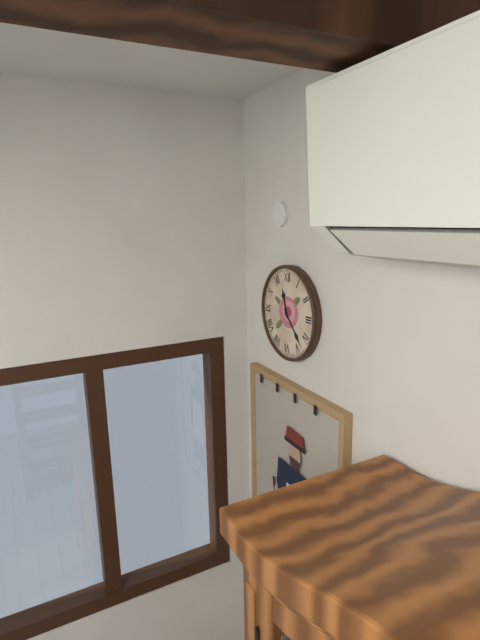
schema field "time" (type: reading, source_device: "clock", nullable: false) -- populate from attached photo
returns 11:23
